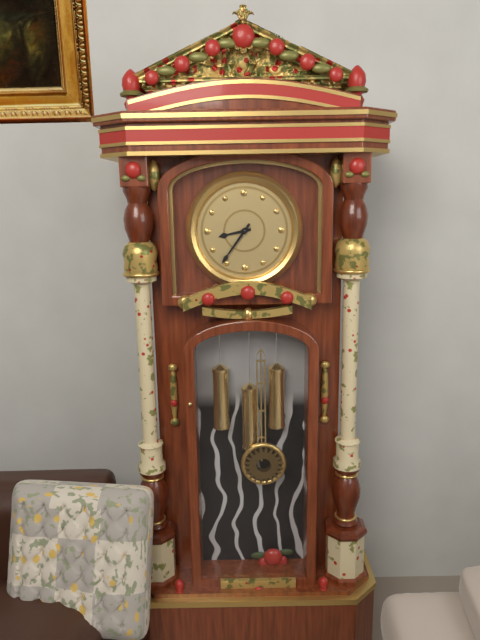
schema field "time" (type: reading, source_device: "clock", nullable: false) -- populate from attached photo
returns 8:36
